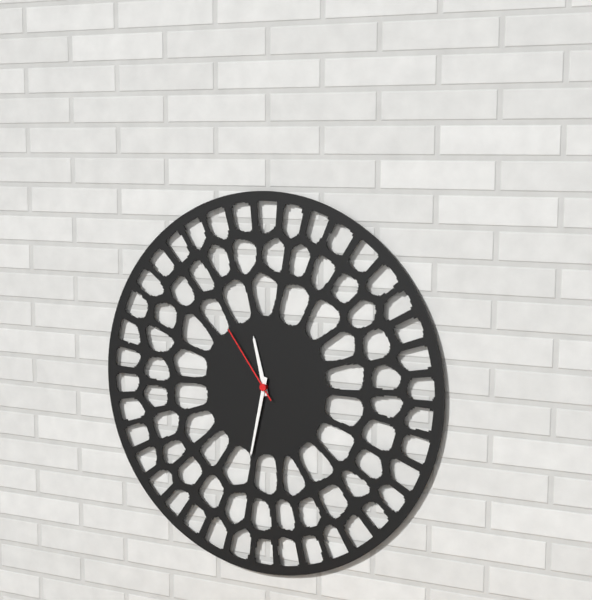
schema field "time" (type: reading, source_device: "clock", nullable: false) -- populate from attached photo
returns 11:32:54
